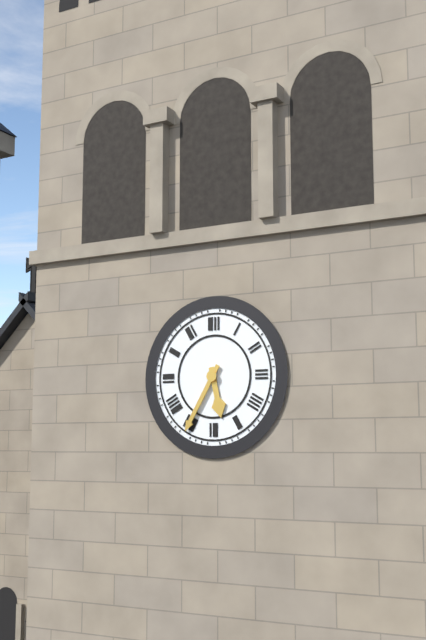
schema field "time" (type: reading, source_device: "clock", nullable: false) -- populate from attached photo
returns 5:35
